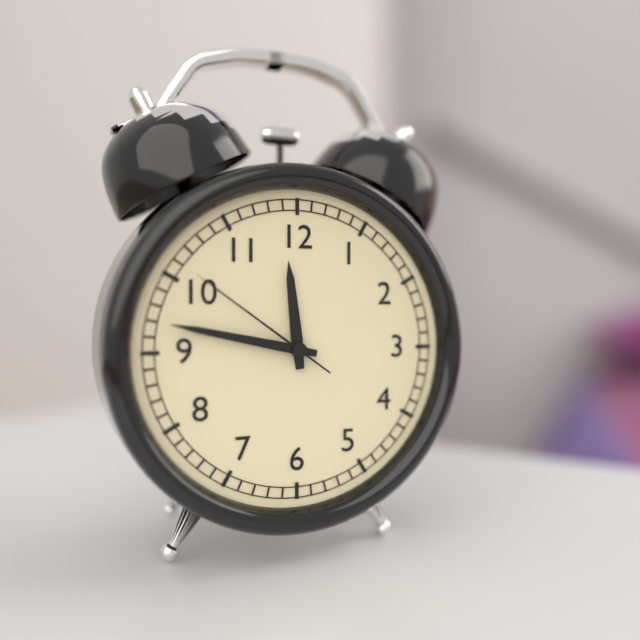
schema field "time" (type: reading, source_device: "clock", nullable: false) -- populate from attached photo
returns 11:47:51
